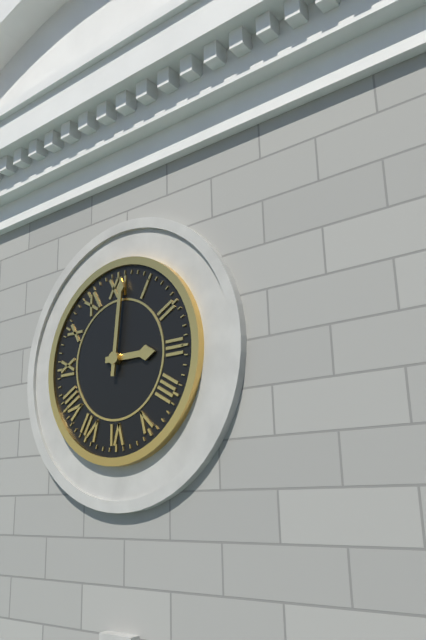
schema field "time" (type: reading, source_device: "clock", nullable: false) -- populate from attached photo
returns 3:01
